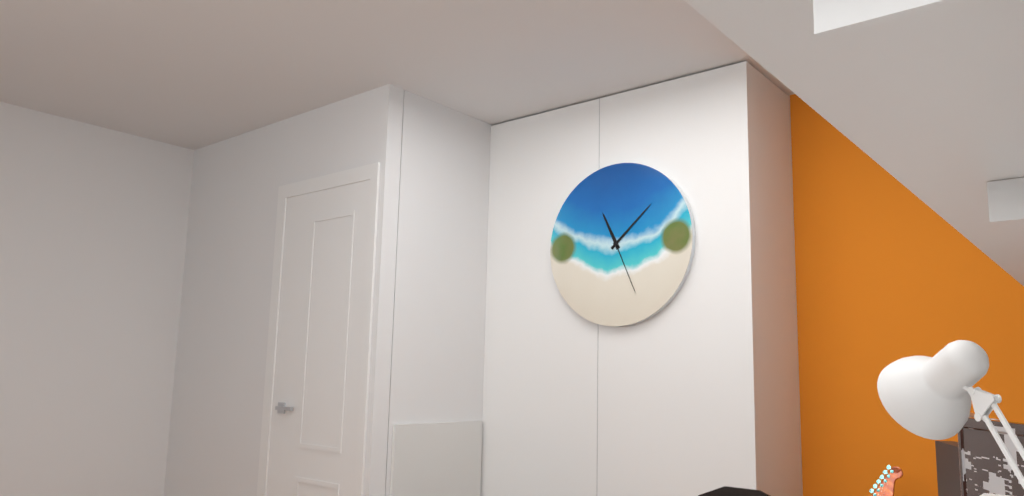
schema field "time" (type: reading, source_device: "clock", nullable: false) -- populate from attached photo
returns 11:08:26
